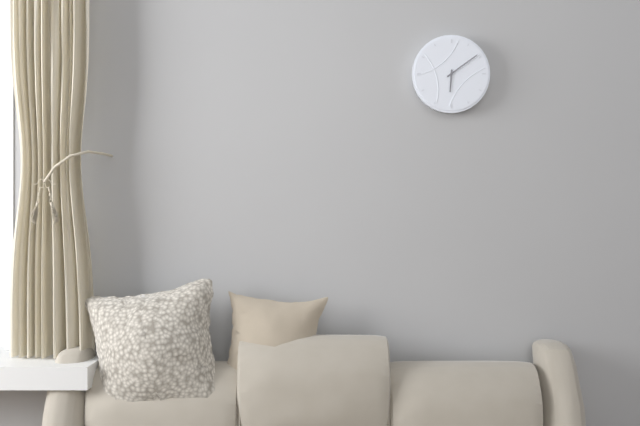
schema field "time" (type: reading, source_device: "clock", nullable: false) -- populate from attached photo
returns 6:09
